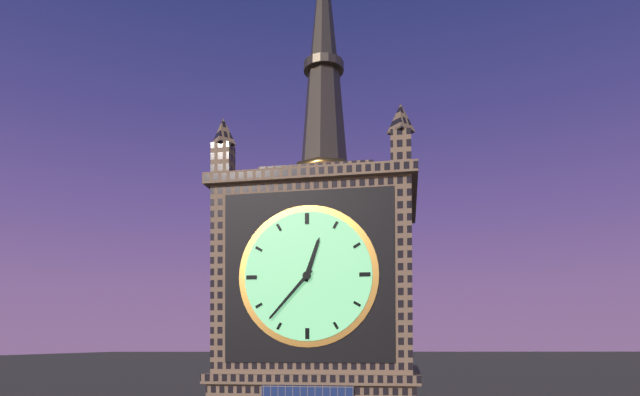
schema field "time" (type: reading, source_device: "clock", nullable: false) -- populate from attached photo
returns 12:37
